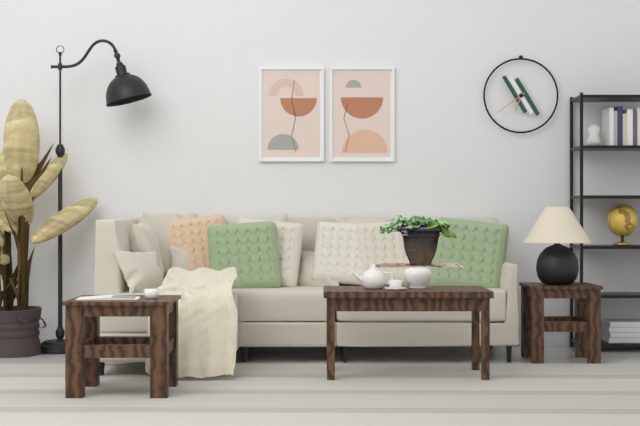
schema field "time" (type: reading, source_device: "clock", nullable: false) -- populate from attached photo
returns 6:39
